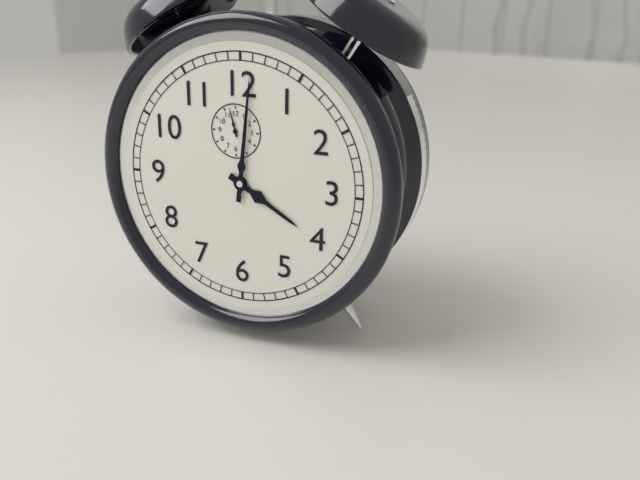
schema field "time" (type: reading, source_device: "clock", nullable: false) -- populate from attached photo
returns 4:01
